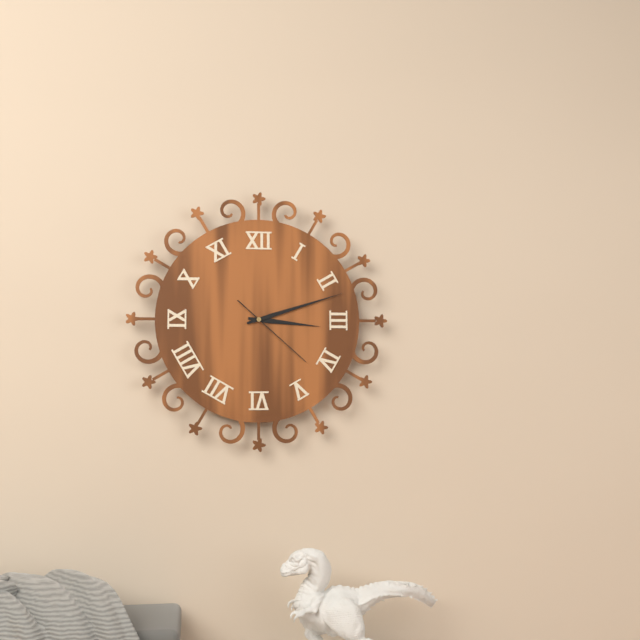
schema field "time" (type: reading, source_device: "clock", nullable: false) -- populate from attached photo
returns 3:12:22
